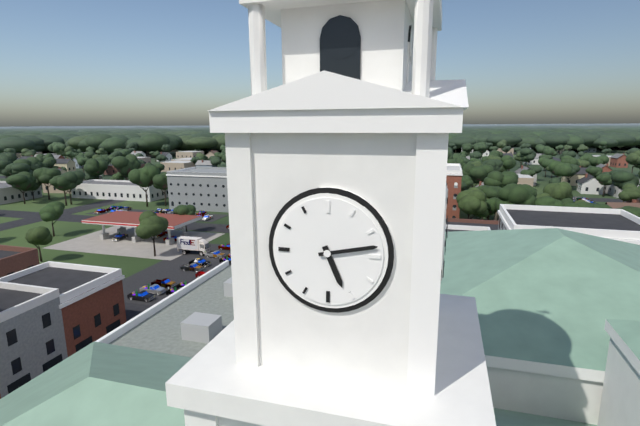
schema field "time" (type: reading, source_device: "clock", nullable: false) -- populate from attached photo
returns 5:13
